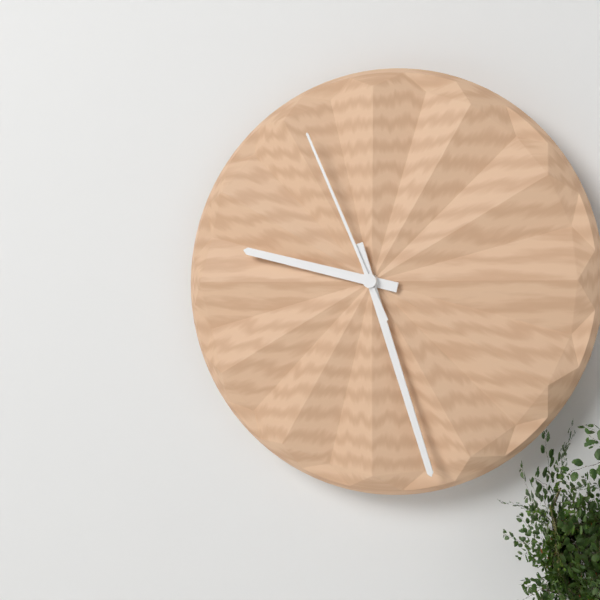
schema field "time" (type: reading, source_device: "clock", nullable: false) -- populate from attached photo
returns 9:27:56
